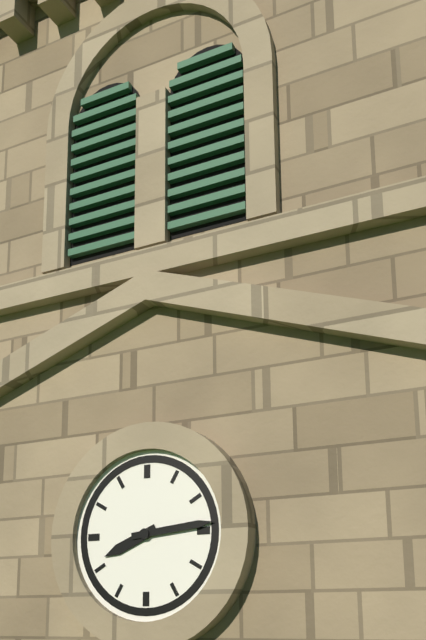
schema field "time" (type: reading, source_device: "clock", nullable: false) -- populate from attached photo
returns 8:14
